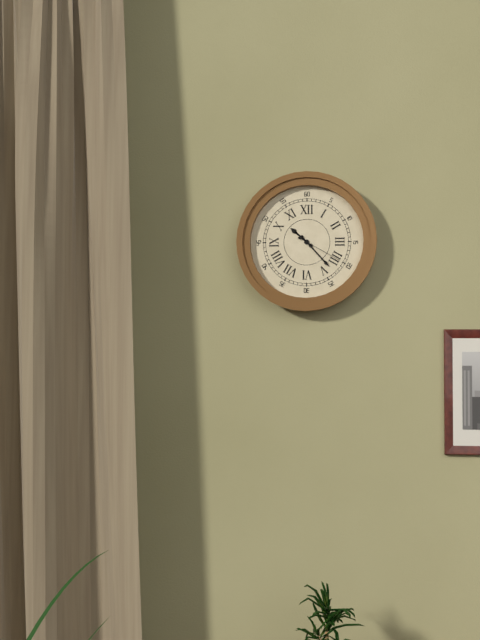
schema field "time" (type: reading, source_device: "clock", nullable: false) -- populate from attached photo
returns 10:23
